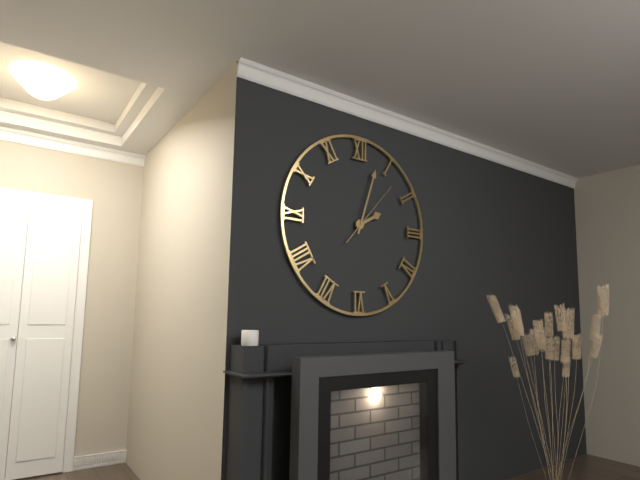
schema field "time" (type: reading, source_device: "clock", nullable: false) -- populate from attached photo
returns 2:03:07
